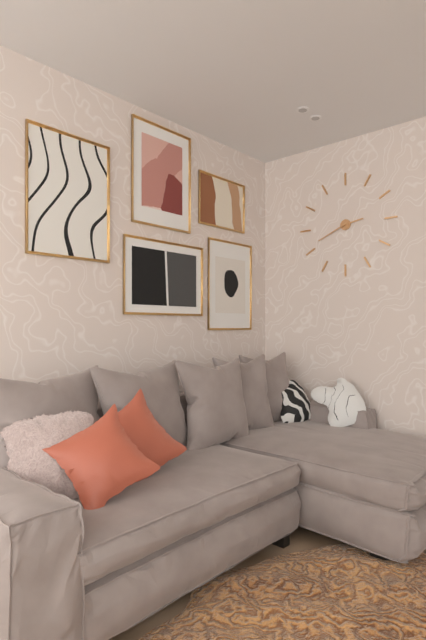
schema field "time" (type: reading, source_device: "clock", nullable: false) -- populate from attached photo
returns 2:41
